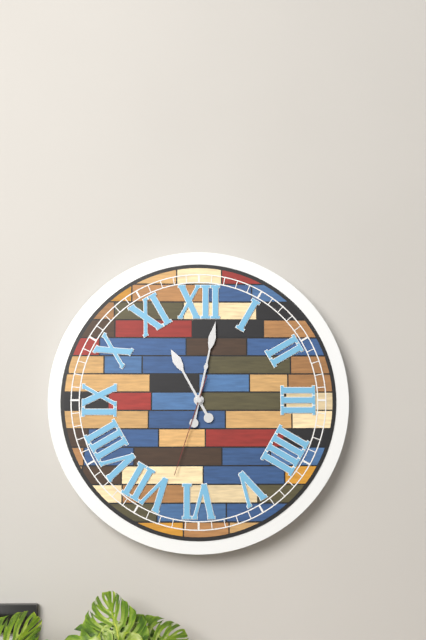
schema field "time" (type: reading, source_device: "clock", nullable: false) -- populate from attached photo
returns 11:02:33
